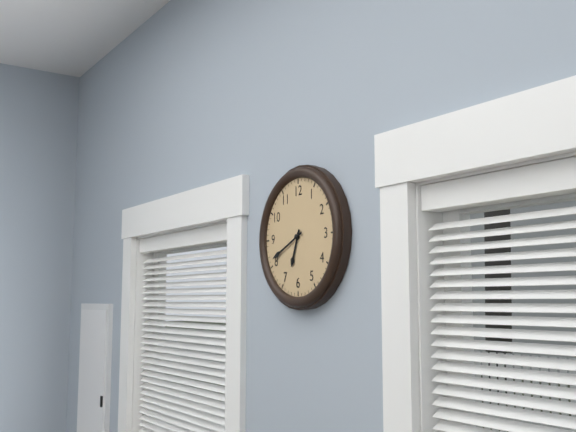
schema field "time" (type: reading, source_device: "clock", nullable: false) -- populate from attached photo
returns 6:41
